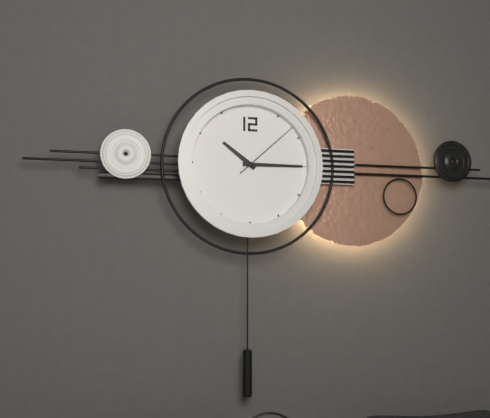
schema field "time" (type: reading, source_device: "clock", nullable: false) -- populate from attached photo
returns 10:15:08
